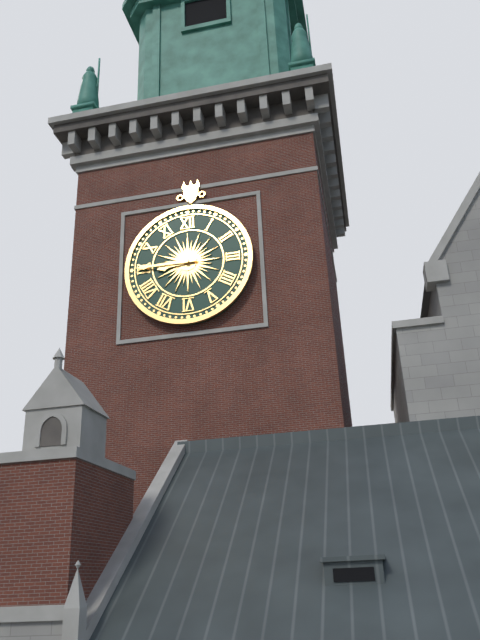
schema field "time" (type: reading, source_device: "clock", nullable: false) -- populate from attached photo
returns 8:45
